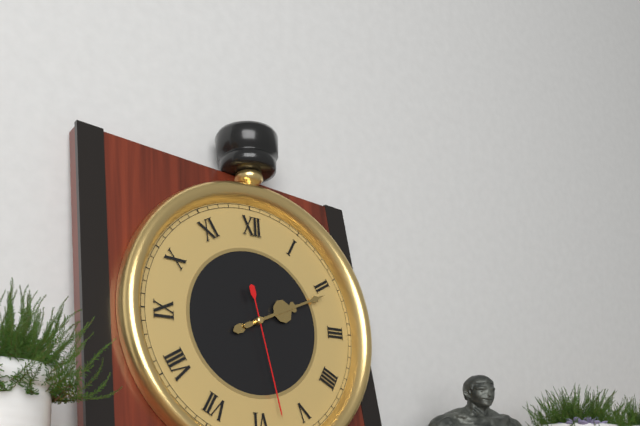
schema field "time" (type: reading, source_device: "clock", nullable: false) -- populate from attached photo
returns 2:11:28
